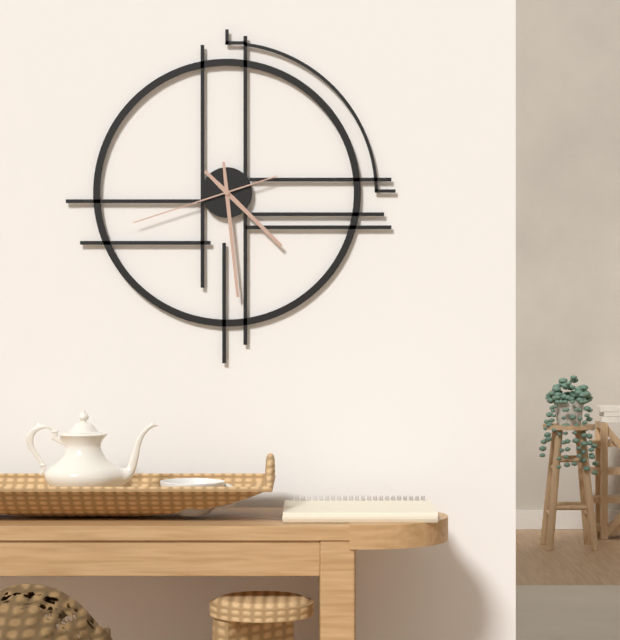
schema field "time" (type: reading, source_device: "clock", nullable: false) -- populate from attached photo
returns 4:29:42
